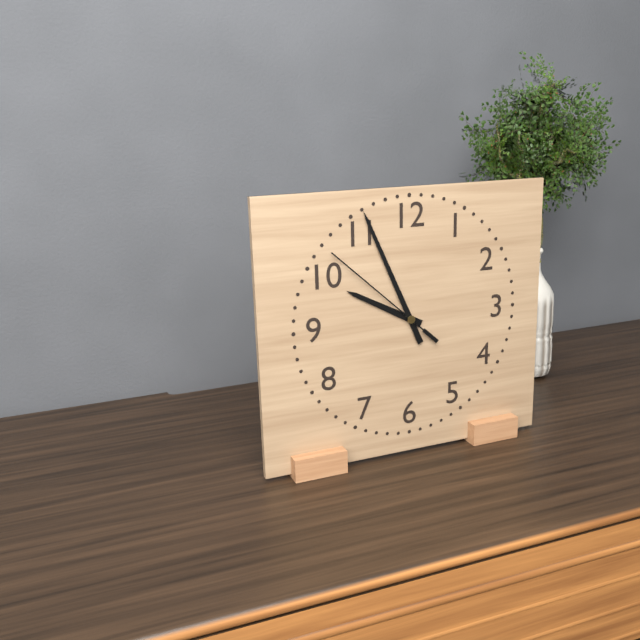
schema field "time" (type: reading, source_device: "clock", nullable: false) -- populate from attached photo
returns 9:56:52
